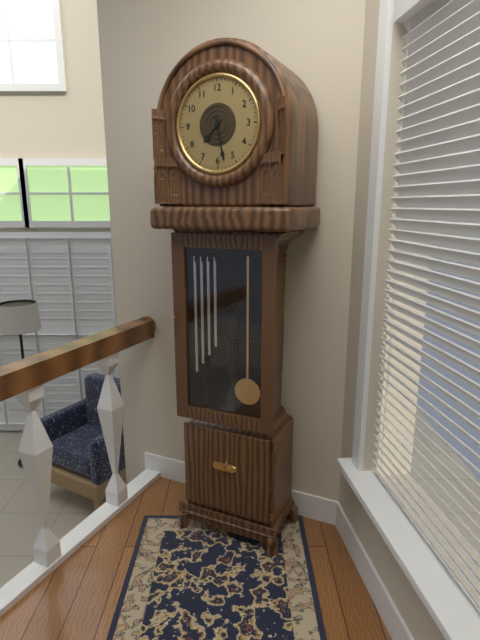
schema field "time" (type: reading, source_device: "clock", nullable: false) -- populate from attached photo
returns 7:28
